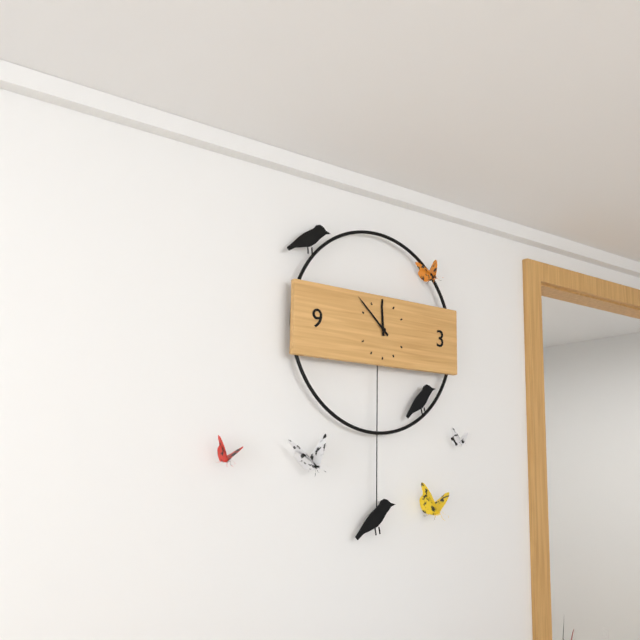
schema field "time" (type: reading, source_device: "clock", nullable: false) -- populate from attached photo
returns 11:52
